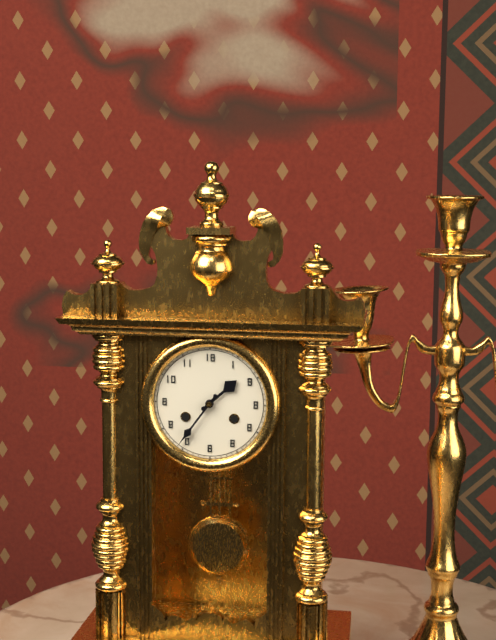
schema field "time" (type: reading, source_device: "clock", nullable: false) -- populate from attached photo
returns 1:36
